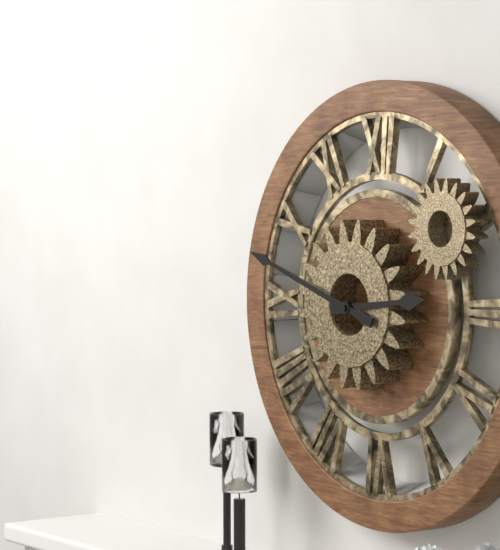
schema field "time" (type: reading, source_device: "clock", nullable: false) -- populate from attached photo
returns 2:48
